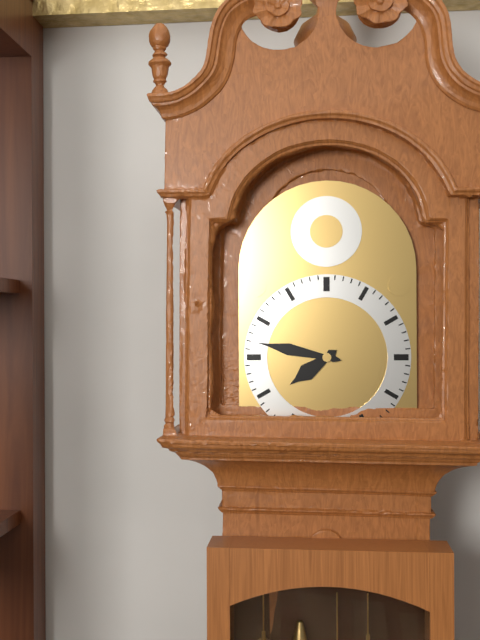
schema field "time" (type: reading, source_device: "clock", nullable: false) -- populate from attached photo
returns 7:47
